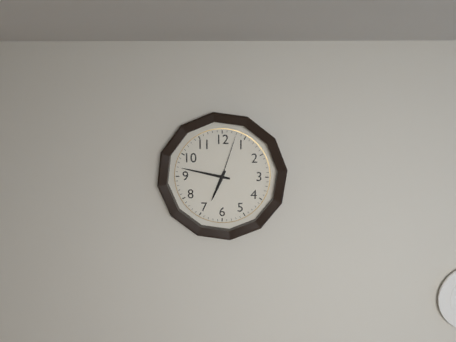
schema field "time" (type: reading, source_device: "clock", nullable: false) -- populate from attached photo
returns 6:47:03
